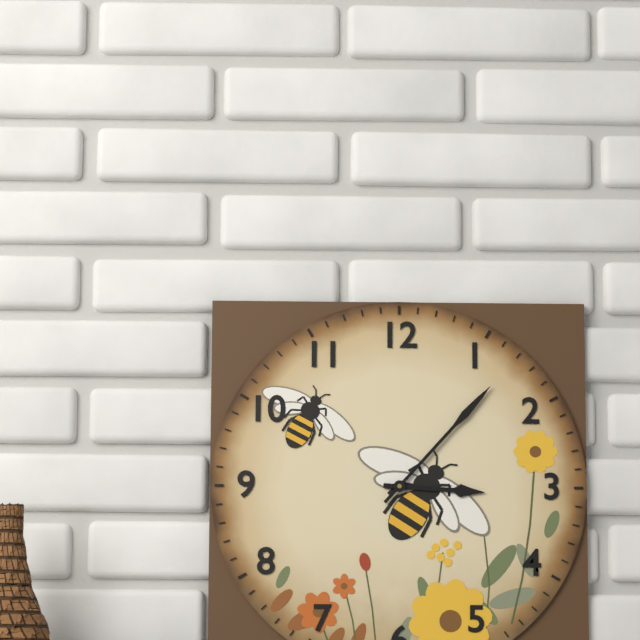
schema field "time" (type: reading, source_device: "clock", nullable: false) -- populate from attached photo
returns 3:07
